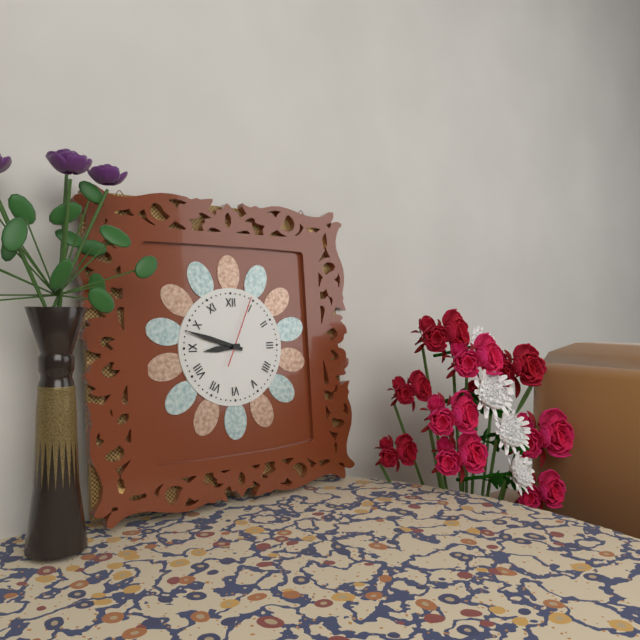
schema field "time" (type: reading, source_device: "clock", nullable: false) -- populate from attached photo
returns 8:48:04
